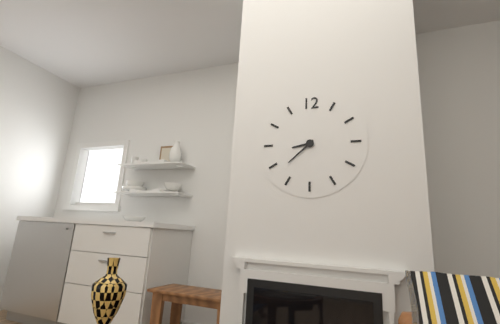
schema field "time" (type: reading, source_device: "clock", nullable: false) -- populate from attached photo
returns 8:38
